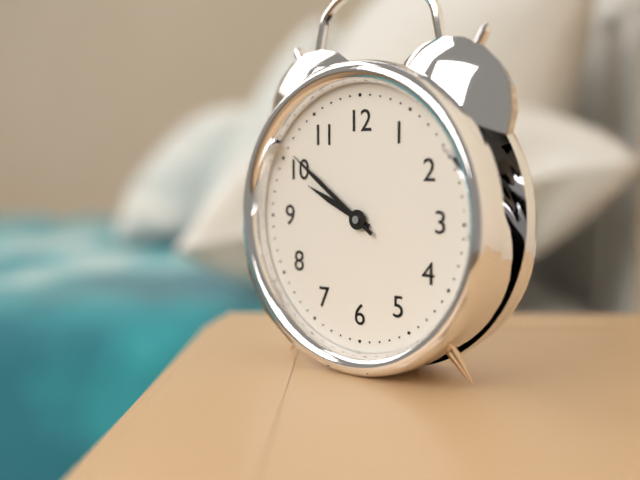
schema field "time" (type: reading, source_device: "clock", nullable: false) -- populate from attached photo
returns 9:51
